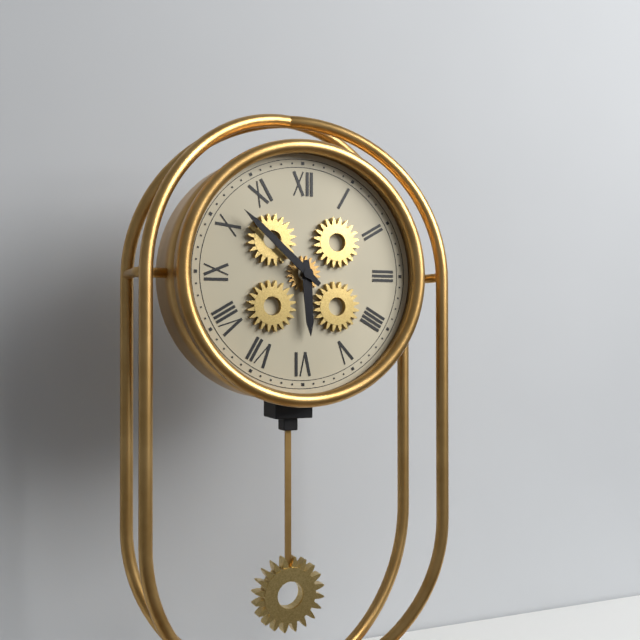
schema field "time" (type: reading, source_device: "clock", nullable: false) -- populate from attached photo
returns 5:52
